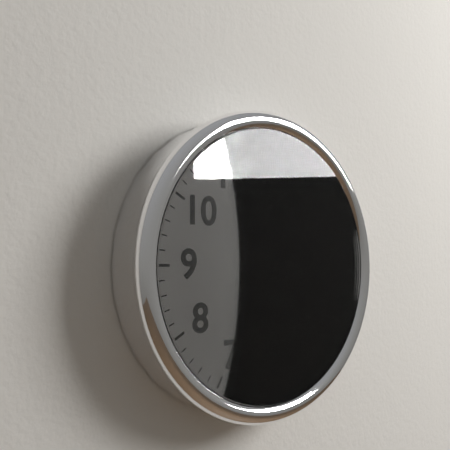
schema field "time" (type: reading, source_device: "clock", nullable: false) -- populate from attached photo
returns 6:59
